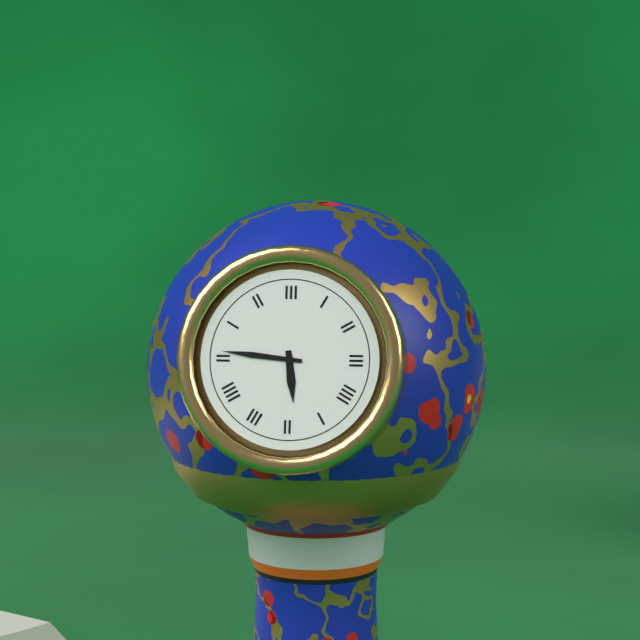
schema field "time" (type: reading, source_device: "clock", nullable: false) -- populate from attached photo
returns 5:46
